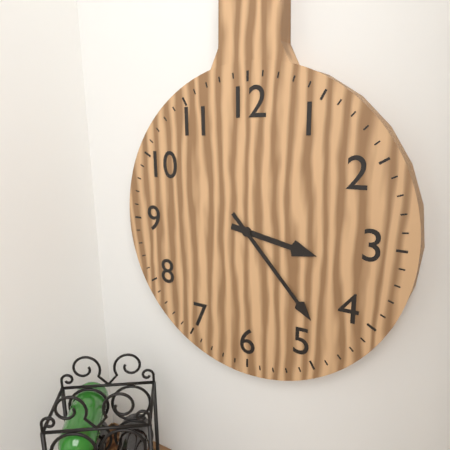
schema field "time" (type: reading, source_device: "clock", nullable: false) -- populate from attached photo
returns 3:23
